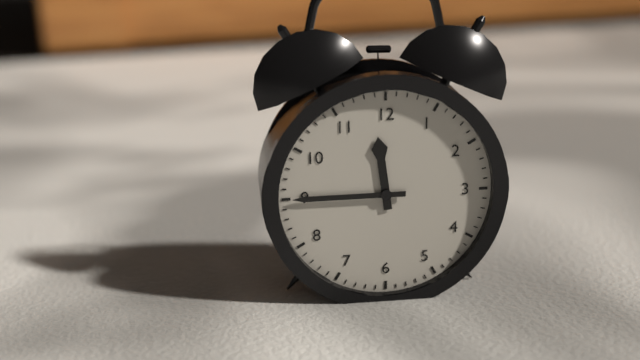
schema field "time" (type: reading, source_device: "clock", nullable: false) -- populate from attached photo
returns 11:45
